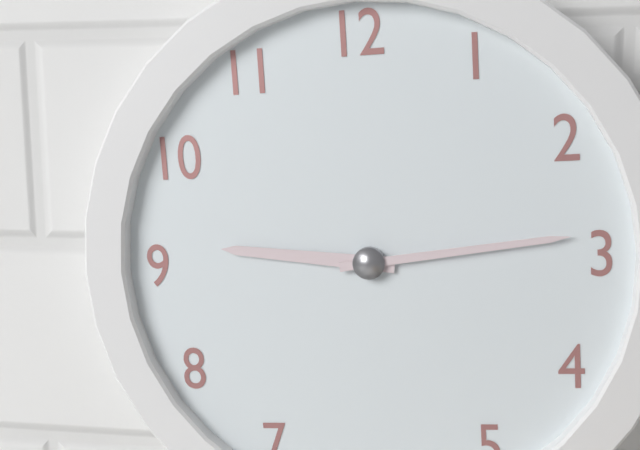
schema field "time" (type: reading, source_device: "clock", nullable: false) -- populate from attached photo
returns 9:14
